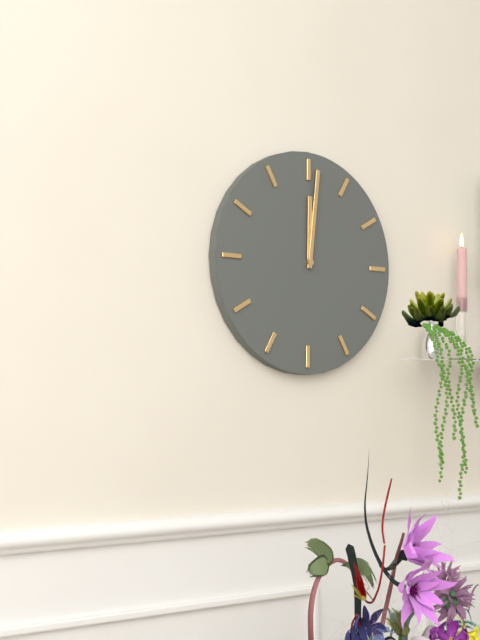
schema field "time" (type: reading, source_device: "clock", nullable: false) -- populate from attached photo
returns 12:01
